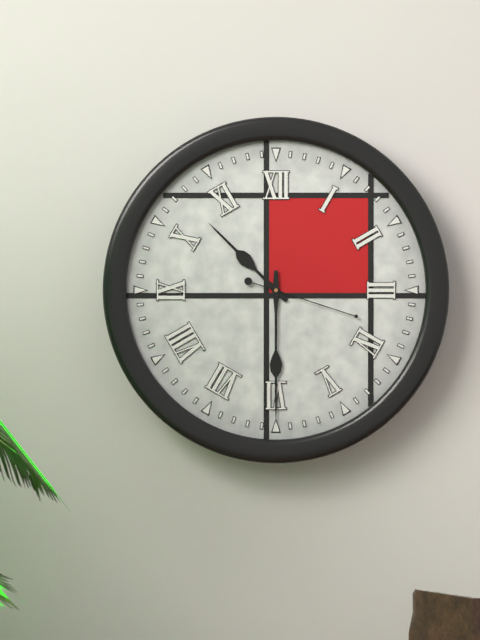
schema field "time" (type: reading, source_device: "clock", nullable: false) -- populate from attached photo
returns 10:30:18
